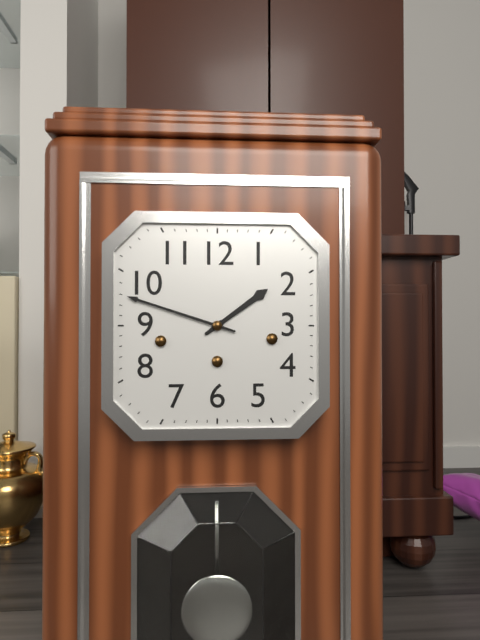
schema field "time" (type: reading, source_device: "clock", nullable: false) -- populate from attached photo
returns 1:48
